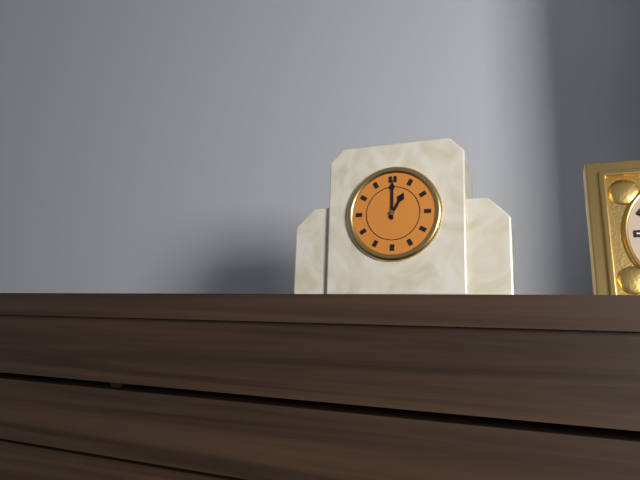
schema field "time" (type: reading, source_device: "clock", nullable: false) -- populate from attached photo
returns 1:00
